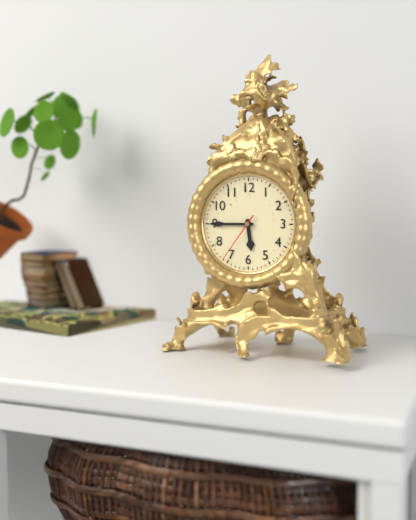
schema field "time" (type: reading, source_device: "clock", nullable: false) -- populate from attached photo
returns 5:45:36
